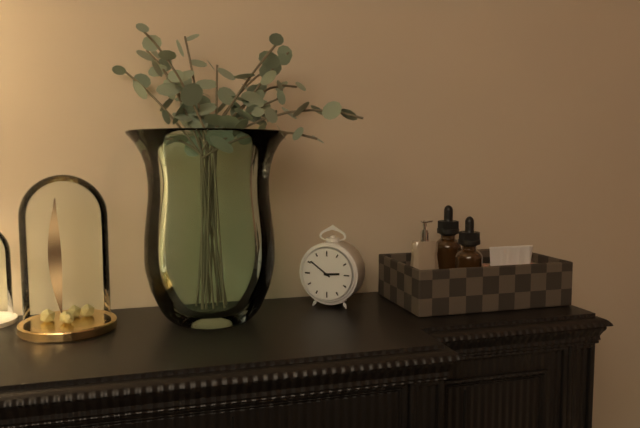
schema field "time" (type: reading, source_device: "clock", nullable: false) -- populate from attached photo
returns 2:51
